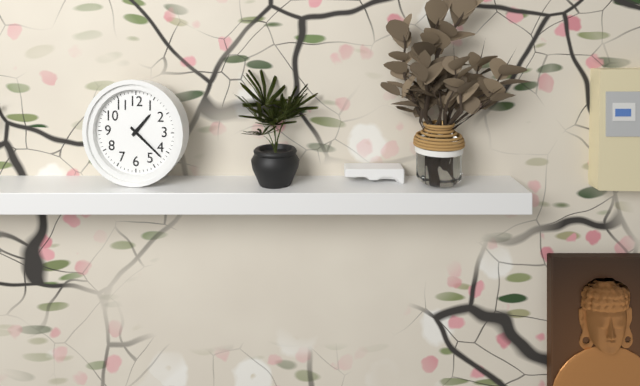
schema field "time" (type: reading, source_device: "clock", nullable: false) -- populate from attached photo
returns 1:22
